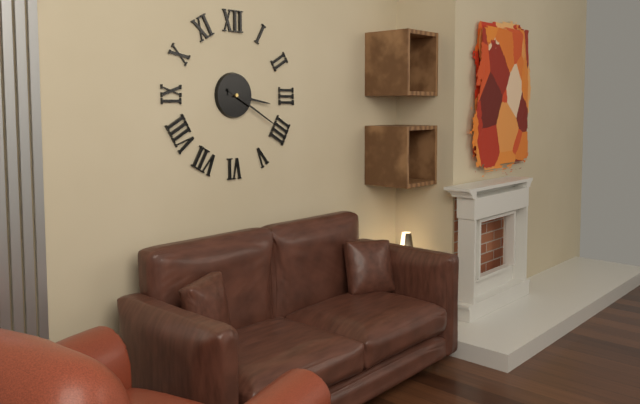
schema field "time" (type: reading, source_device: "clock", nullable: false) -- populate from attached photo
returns 3:20
